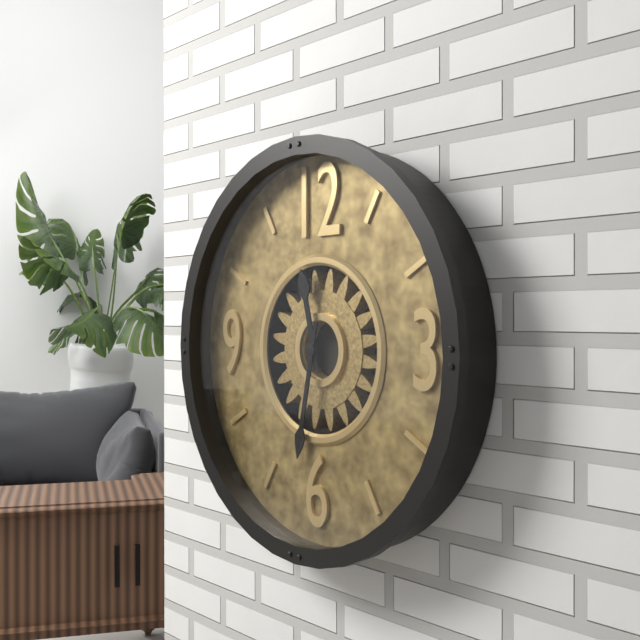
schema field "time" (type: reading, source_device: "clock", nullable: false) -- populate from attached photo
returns 11:32
